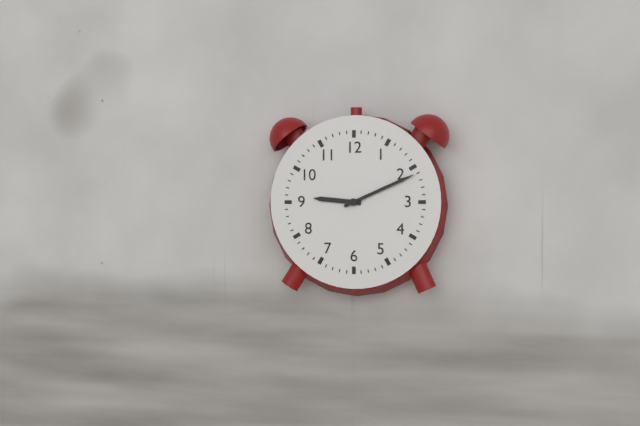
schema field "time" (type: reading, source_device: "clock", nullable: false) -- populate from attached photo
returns 9:11
